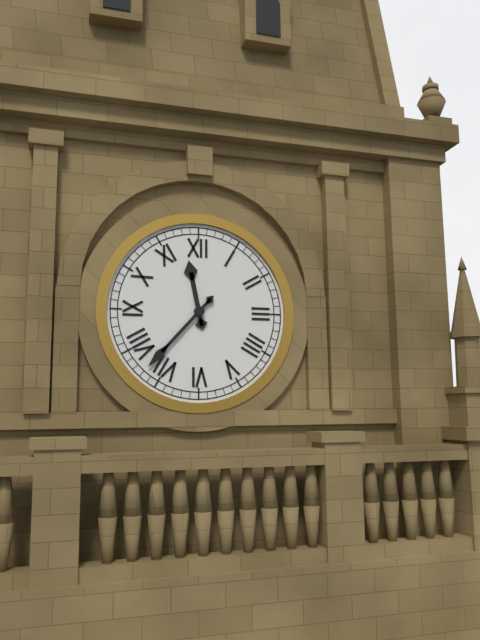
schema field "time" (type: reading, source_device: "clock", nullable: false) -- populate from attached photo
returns 11:37
